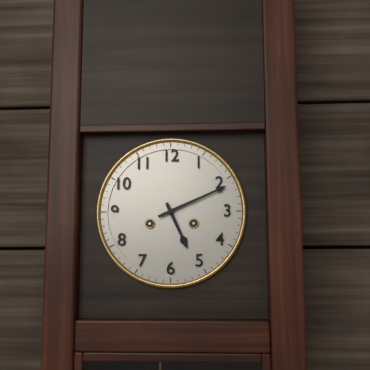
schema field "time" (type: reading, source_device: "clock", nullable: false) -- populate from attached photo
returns 5:11
